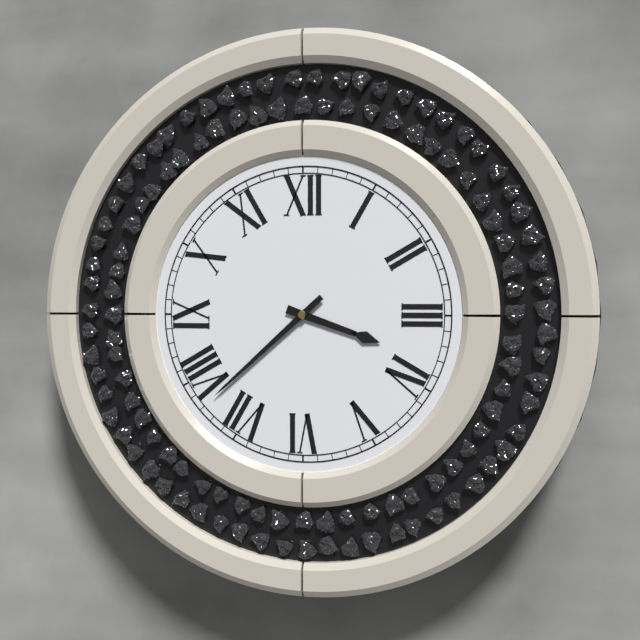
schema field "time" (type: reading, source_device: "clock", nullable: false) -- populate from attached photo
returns 3:38
